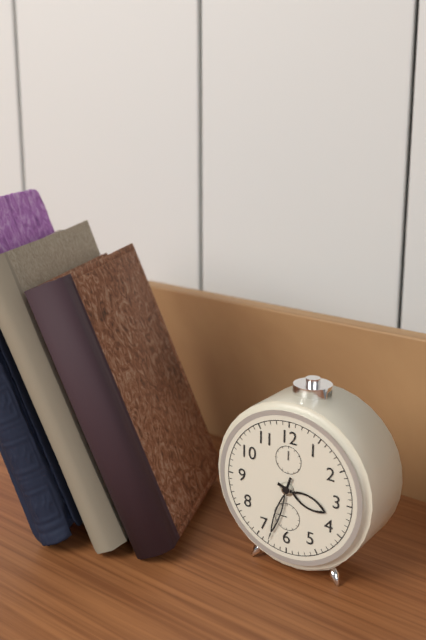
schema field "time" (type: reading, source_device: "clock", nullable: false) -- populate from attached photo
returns 3:33
